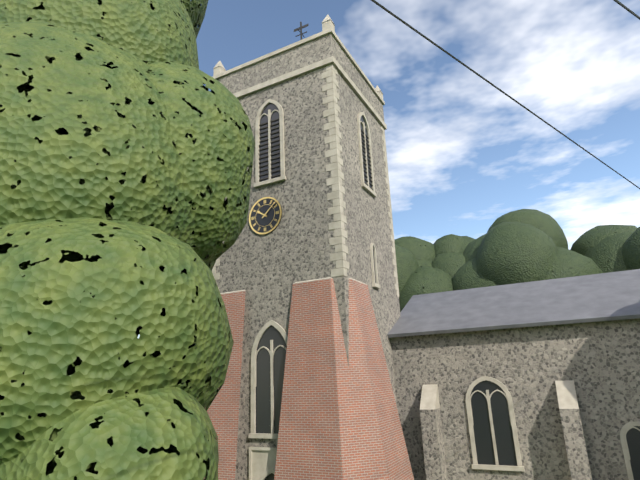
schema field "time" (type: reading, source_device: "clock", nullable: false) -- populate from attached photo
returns 10:08
